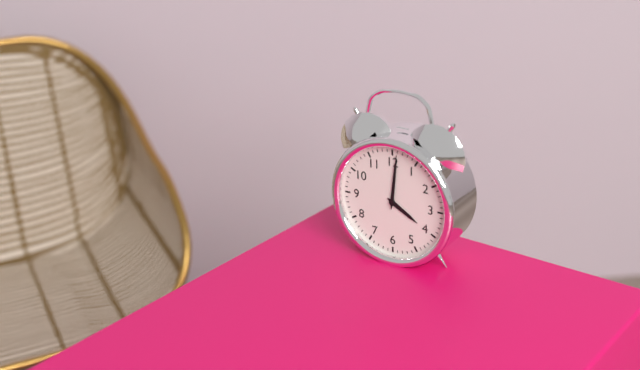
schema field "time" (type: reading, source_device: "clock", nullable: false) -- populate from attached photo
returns 4:01
